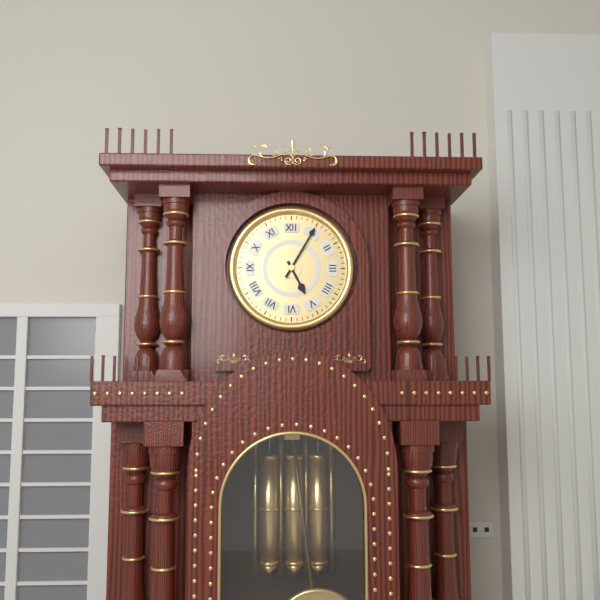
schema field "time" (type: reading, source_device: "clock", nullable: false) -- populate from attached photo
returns 5:05
